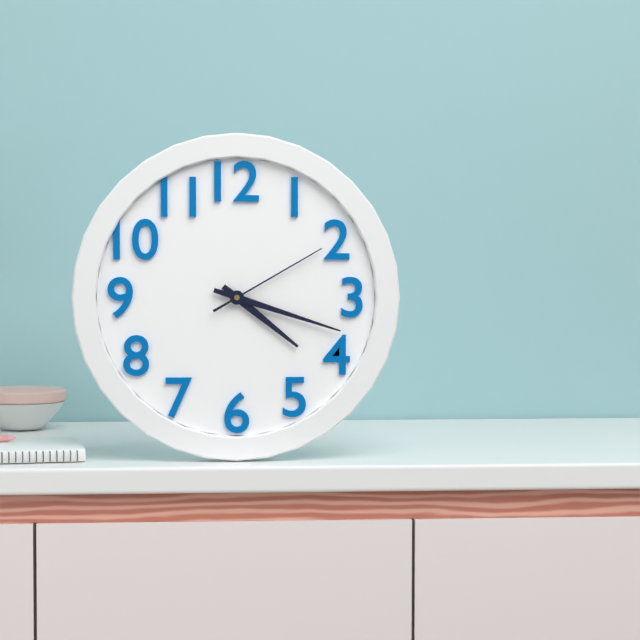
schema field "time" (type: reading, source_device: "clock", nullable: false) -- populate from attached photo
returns 4:18:10
